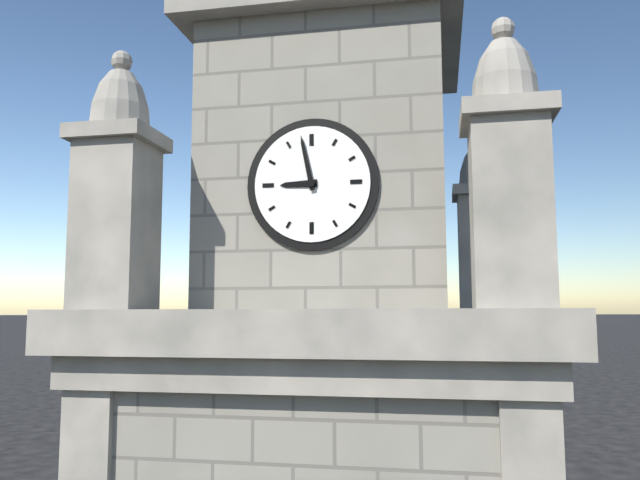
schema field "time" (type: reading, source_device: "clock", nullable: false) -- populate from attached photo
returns 8:58
